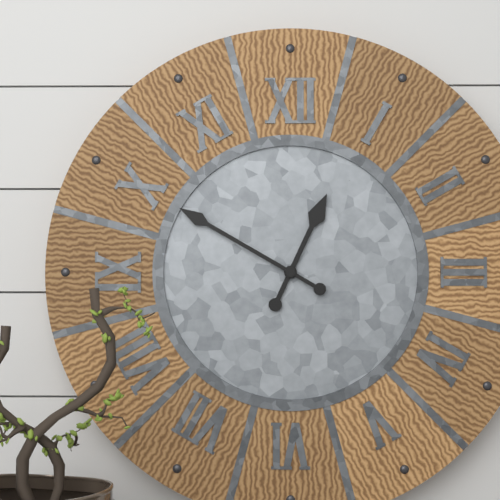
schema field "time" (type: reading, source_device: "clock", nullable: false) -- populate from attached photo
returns 12:50
